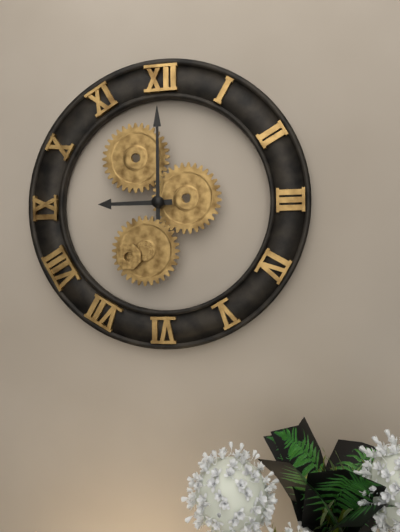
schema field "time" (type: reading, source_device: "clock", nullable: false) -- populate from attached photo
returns 9:00
